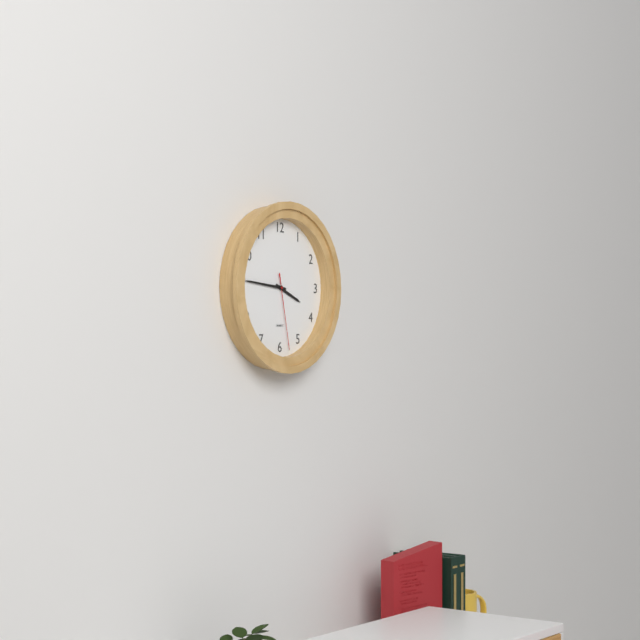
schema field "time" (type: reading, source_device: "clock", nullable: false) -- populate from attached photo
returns 3:46:28
